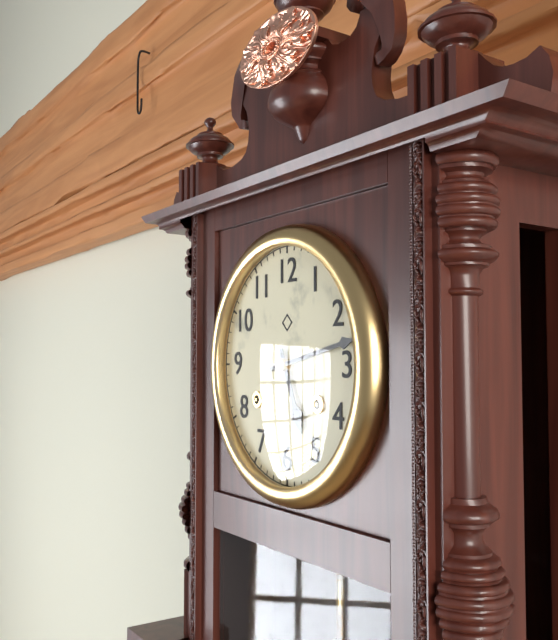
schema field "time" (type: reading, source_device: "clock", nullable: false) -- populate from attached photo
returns 5:13
